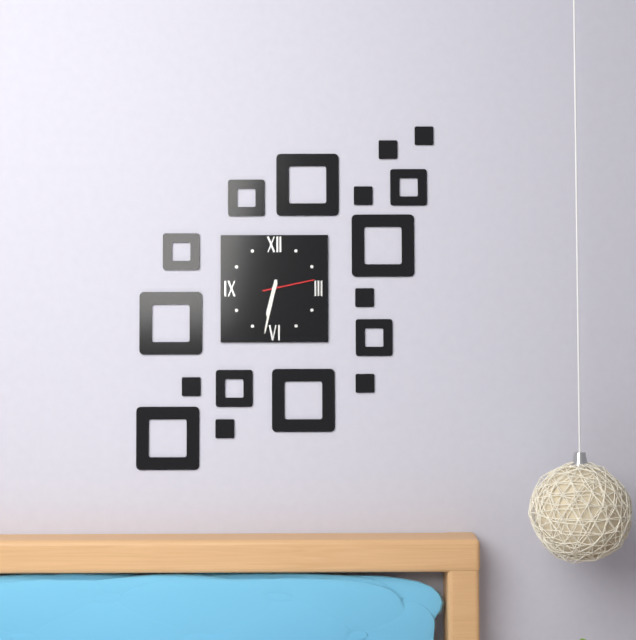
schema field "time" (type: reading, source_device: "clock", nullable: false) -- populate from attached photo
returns 6:32:13
